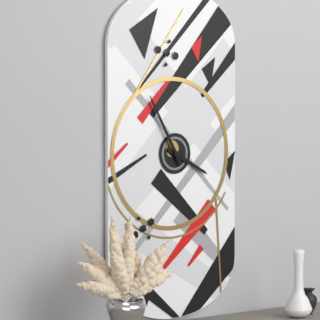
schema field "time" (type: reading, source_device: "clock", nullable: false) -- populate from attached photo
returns 3:55
